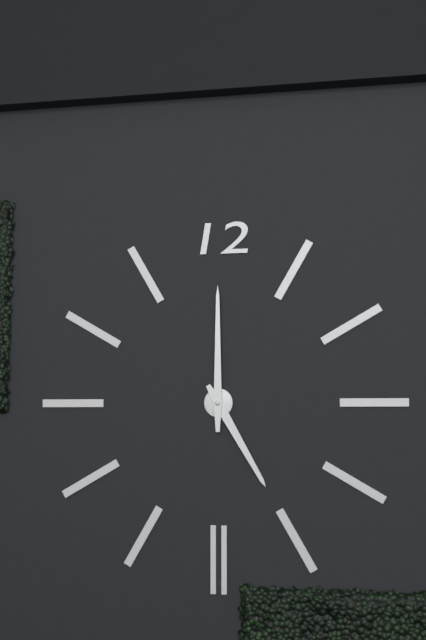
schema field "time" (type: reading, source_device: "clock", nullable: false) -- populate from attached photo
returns 5:00
